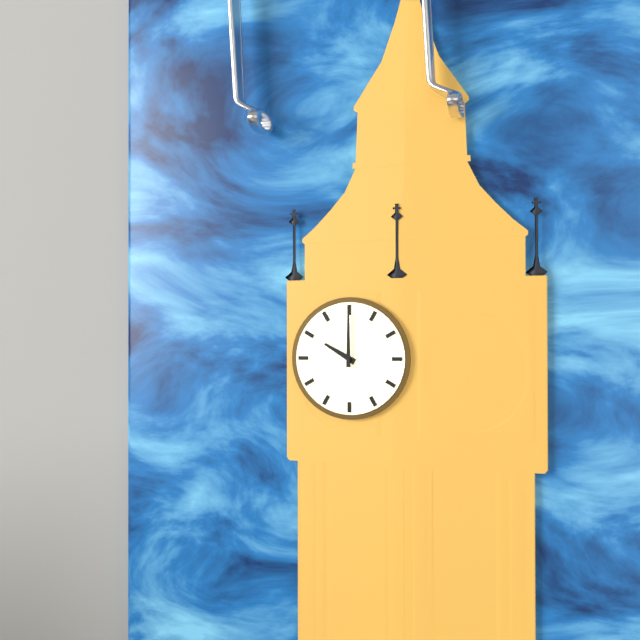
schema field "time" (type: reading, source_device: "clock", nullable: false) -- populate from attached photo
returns 10:00
